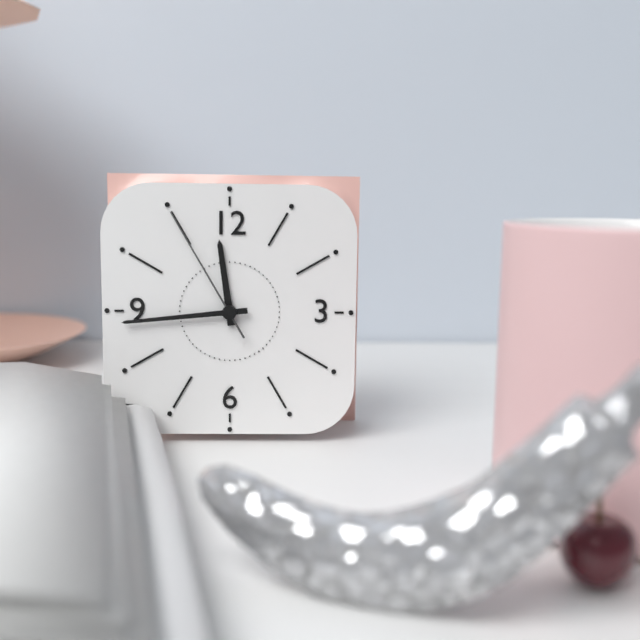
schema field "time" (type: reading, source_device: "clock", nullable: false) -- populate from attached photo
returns 11:44:55
